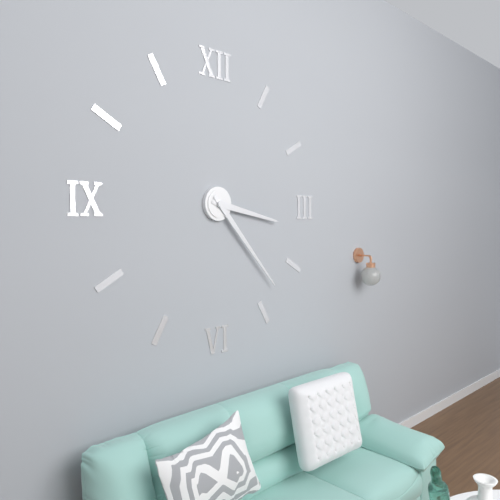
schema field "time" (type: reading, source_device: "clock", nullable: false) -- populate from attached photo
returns 3:23
